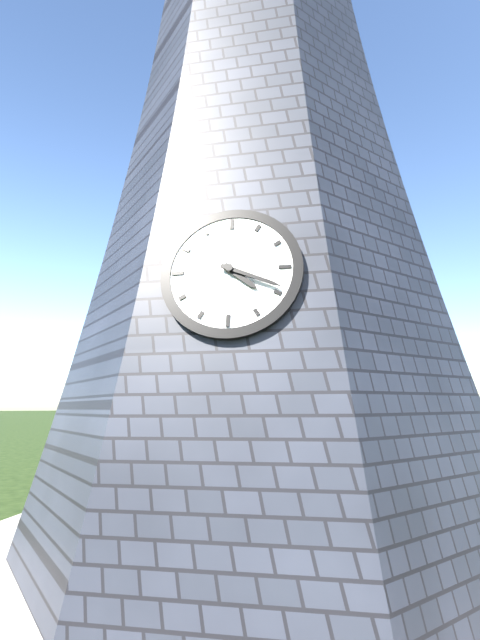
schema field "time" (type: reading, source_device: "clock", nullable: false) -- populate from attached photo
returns 4:19
